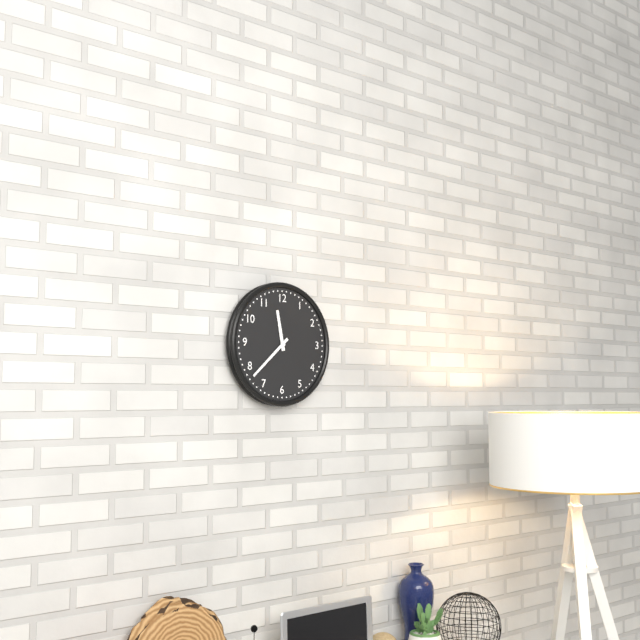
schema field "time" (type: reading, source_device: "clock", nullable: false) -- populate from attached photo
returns 11:38
